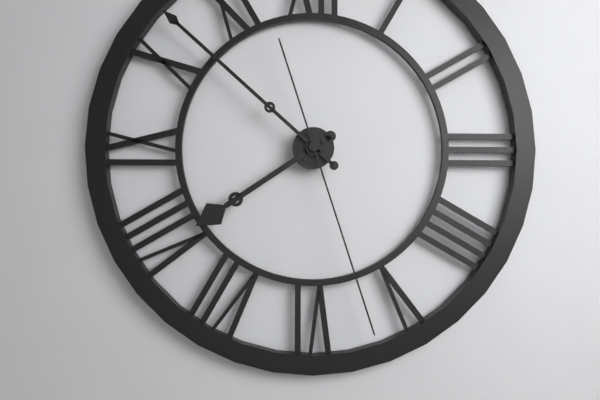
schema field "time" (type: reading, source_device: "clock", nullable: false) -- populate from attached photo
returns 7:52:27
